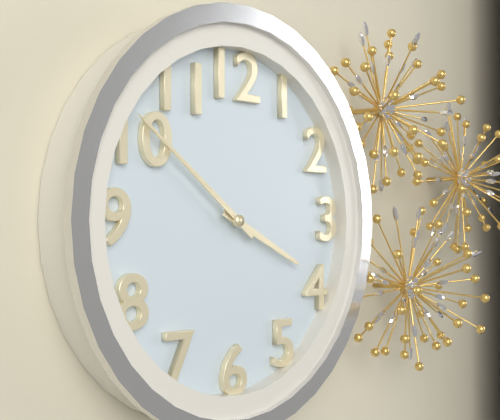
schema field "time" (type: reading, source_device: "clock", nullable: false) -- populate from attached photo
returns 3:51
